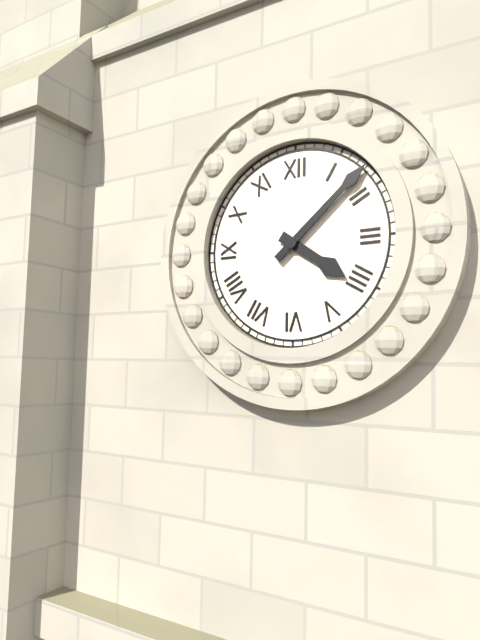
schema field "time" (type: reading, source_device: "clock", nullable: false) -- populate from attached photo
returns 4:08
